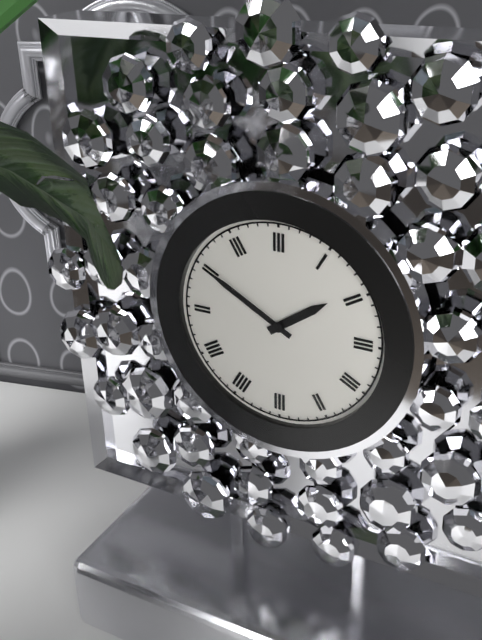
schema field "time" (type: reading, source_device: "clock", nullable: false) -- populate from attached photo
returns 1:50
